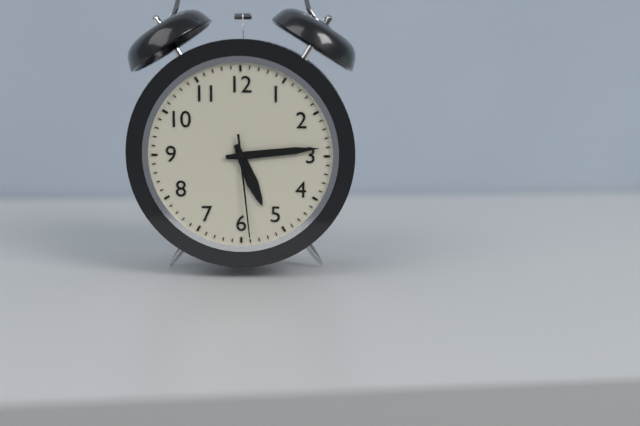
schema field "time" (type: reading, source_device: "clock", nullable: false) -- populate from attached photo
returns 5:14:29
